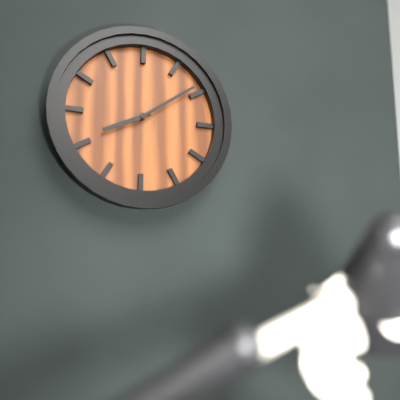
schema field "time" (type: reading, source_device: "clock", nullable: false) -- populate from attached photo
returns 8:09
